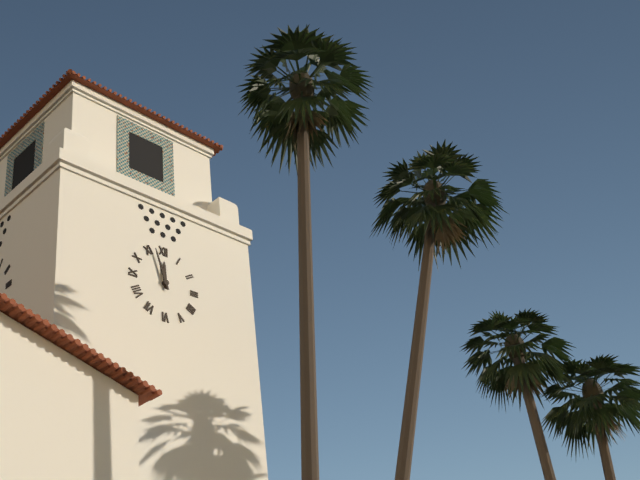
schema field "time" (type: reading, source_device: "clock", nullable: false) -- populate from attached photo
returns 11:57
